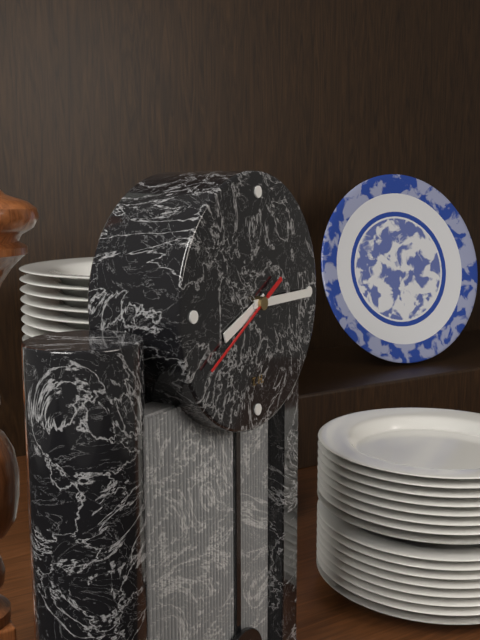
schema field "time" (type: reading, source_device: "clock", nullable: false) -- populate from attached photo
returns 8:15:40
